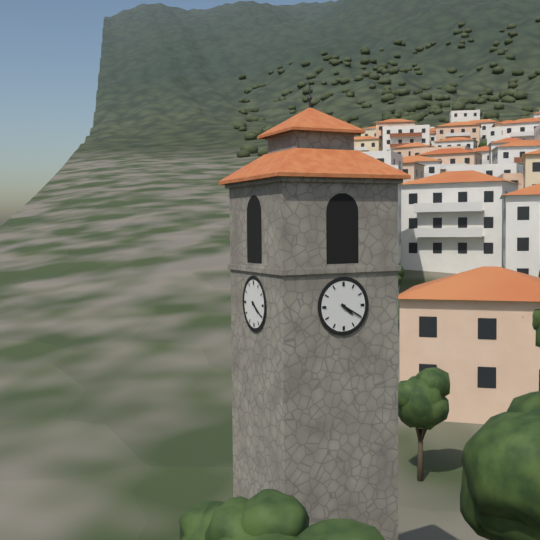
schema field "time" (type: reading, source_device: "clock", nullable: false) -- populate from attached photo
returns 4:20
